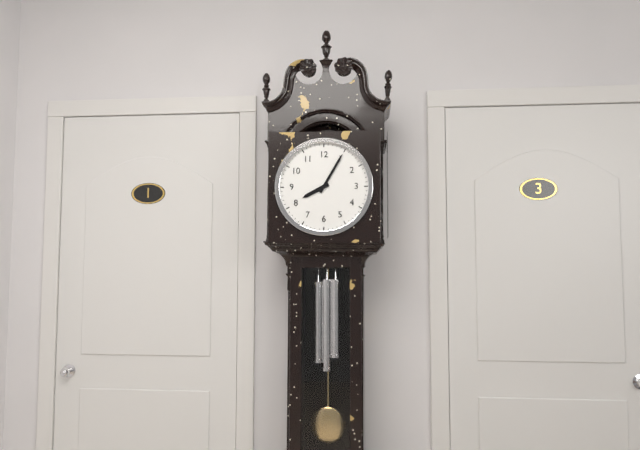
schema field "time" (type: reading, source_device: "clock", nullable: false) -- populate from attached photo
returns 8:05
